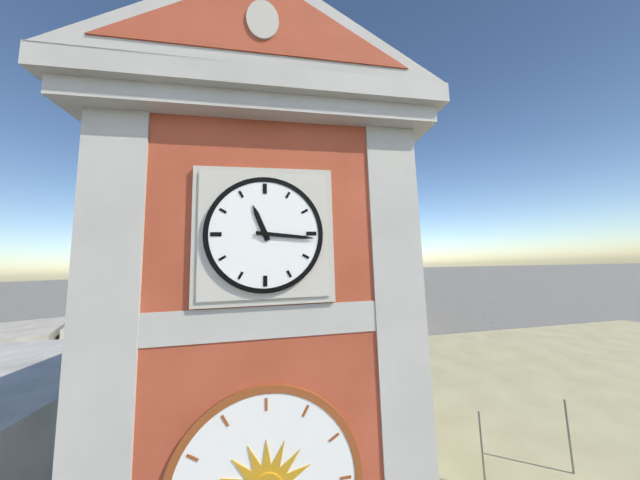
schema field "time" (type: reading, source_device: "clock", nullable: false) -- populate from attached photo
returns 11:16
